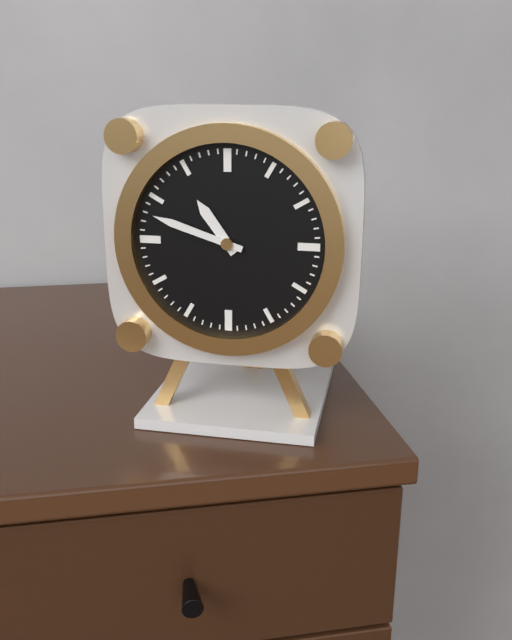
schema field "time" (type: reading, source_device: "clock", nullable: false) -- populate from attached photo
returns 10:48
